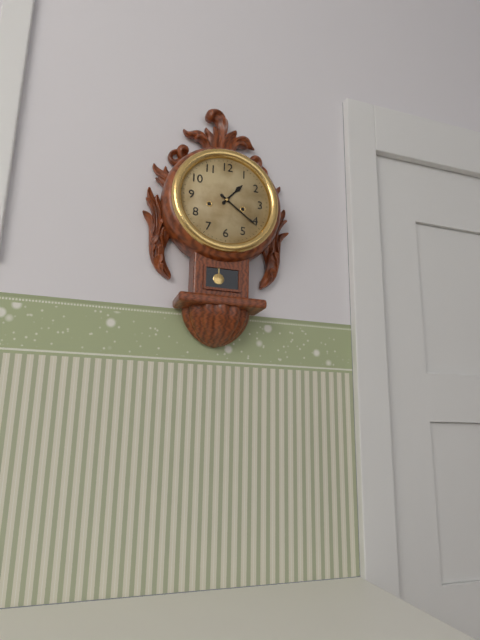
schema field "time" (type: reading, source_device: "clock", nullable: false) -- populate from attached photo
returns 1:21
